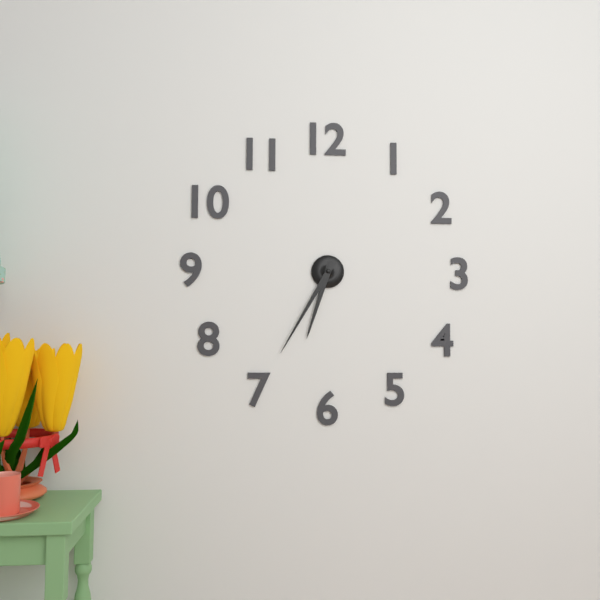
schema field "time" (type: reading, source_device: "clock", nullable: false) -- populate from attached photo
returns 6:35
